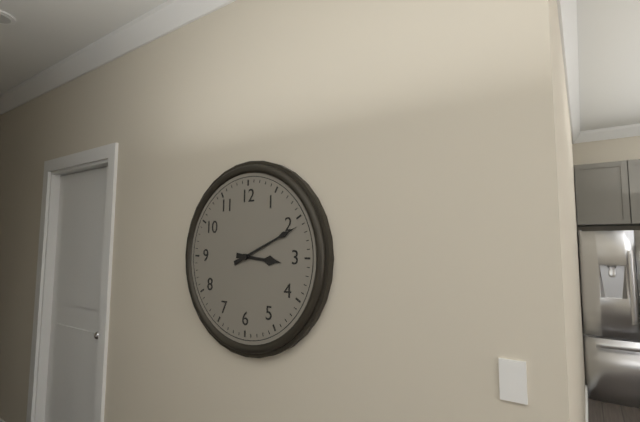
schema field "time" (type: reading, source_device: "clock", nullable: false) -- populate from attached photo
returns 3:11
